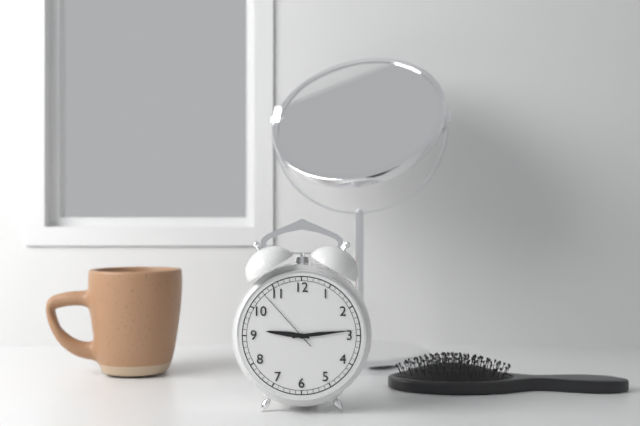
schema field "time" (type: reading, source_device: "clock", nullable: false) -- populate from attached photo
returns 9:14:53
